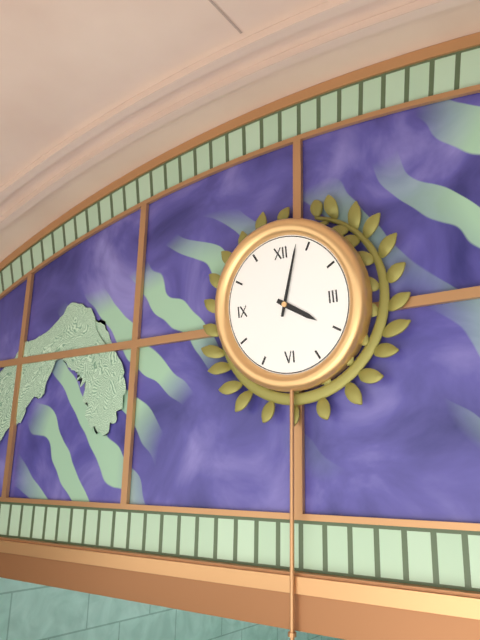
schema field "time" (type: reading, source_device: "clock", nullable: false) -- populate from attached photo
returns 4:03
